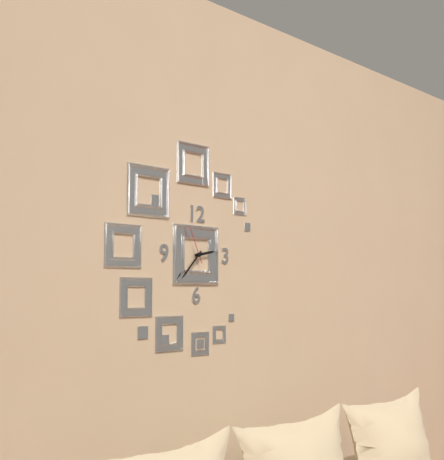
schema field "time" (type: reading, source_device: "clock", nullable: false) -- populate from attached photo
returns 2:37
